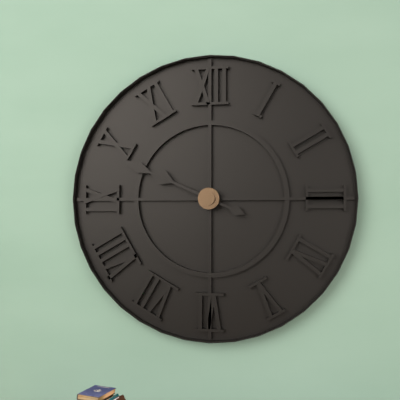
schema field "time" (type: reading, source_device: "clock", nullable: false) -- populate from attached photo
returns 9:49
